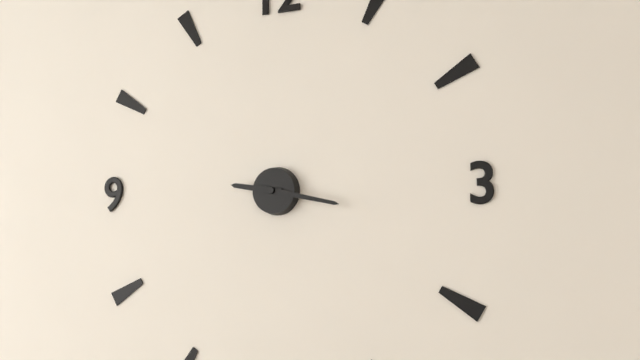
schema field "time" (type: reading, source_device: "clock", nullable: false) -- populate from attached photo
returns 9:17
